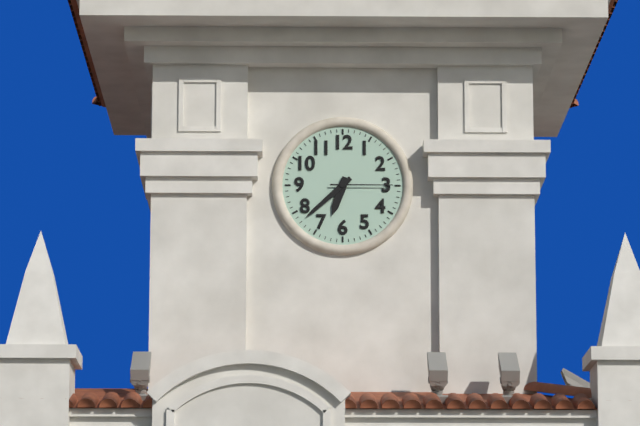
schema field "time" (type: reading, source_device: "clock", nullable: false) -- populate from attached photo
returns 6:38:15
